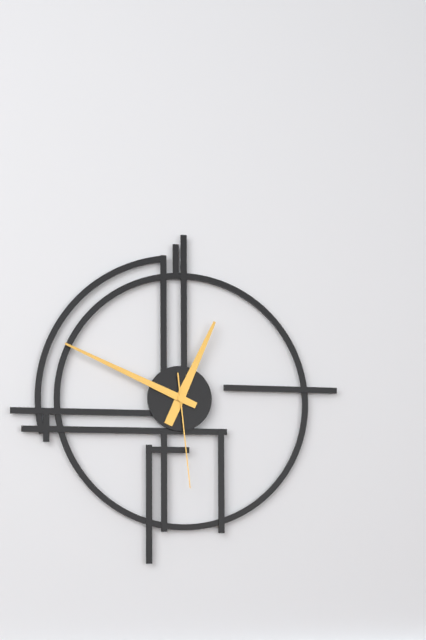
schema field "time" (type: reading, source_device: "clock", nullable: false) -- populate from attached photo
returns 12:49:29
